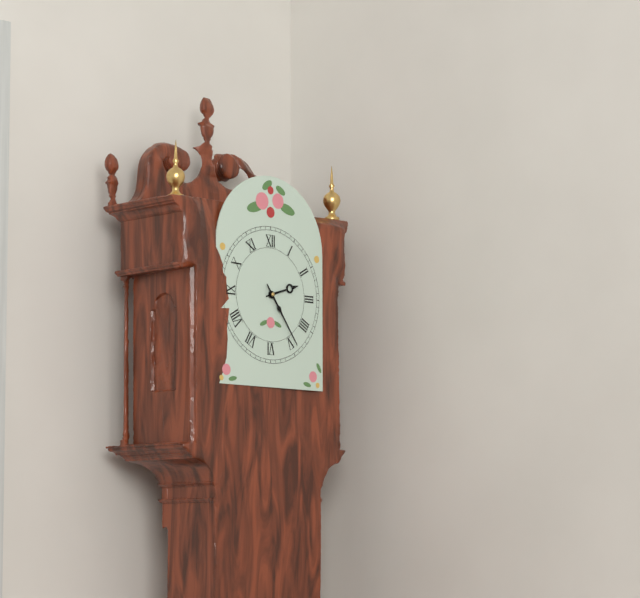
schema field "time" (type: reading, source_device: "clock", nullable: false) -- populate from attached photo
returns 2:24
